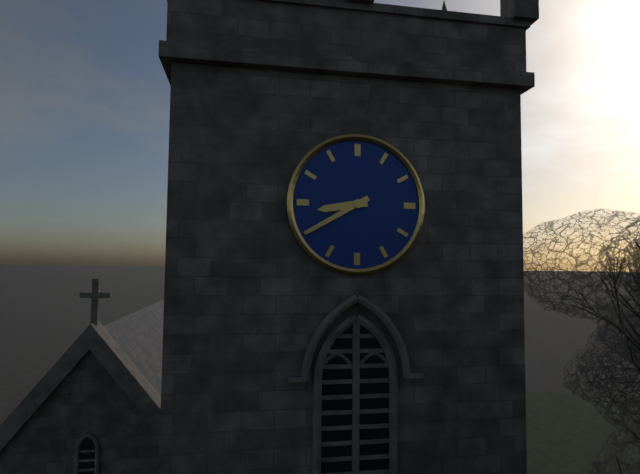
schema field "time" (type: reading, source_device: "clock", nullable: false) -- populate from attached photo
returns 8:40
